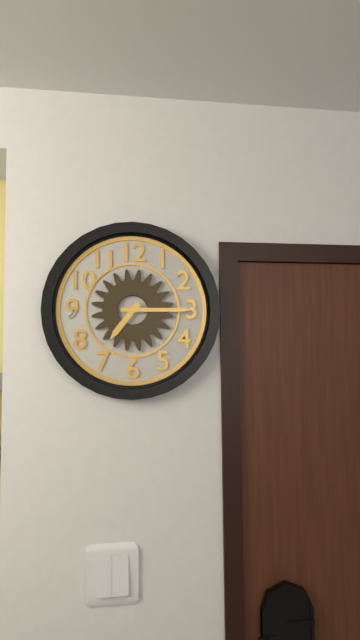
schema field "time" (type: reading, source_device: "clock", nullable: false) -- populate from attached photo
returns 7:15
